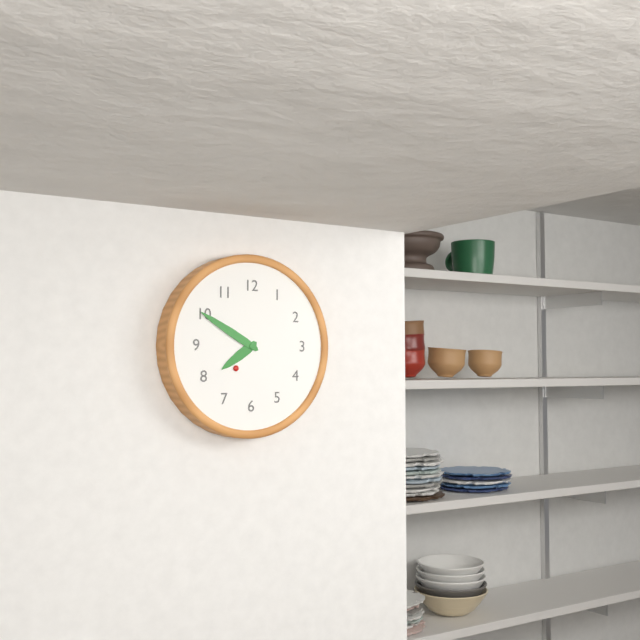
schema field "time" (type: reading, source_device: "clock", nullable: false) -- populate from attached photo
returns 7:50
